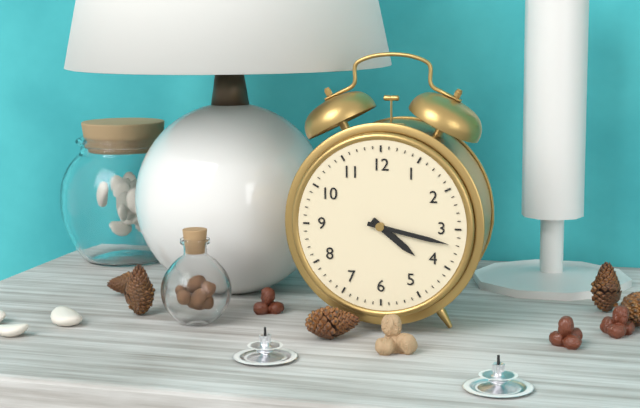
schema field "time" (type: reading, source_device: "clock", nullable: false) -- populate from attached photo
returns 4:17
